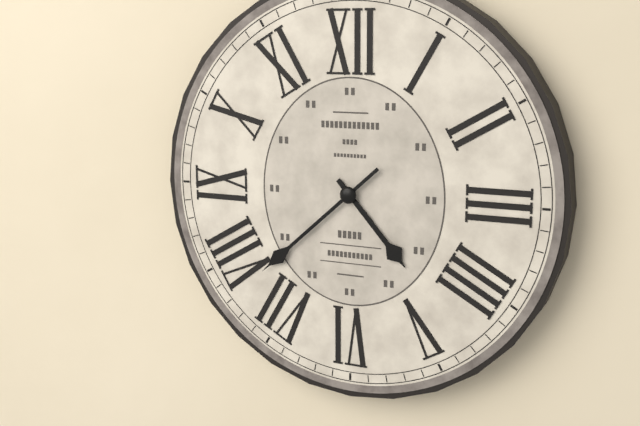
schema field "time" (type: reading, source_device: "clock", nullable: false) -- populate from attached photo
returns 4:38
